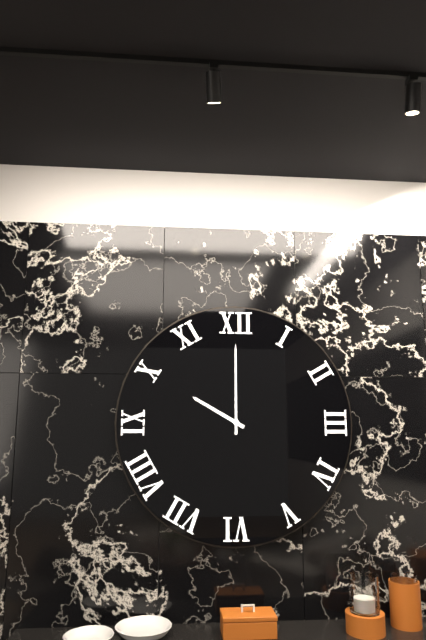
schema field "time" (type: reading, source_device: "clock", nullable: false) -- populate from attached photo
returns 10:00
